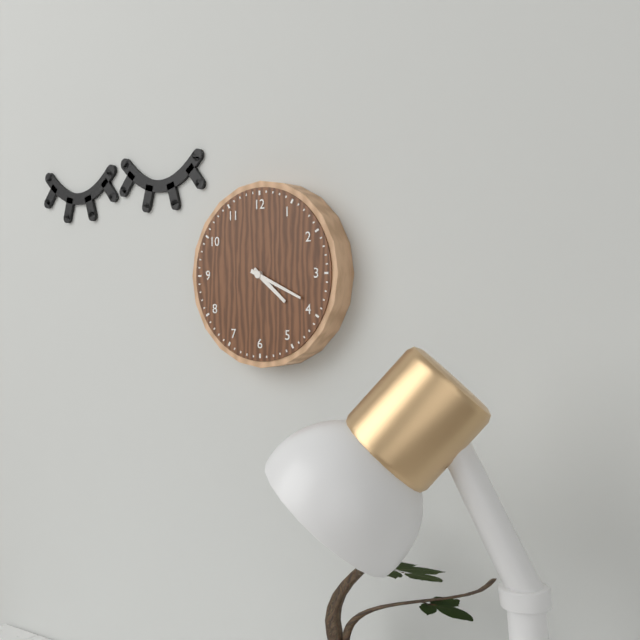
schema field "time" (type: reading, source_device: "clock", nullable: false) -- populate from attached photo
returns 4:19
